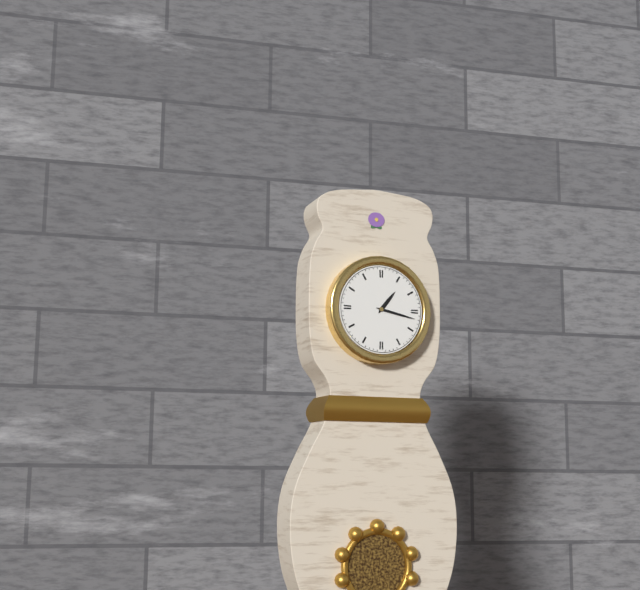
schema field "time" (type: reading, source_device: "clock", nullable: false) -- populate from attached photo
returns 1:17
